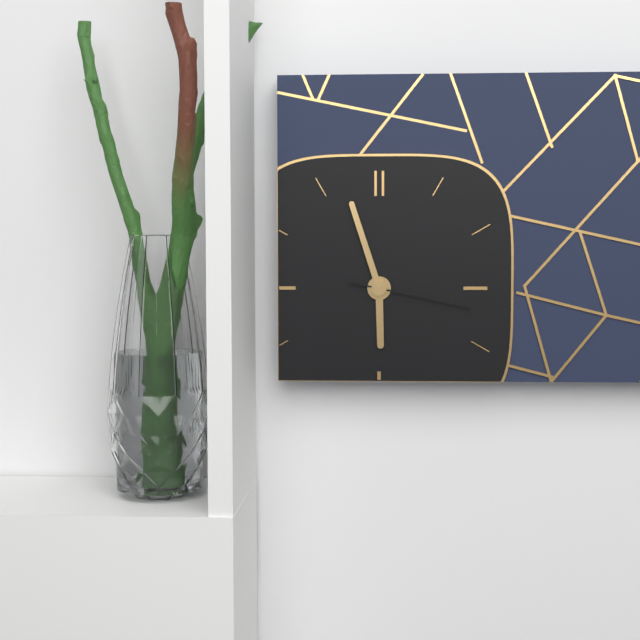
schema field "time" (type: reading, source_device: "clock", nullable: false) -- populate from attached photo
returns 5:57:17
